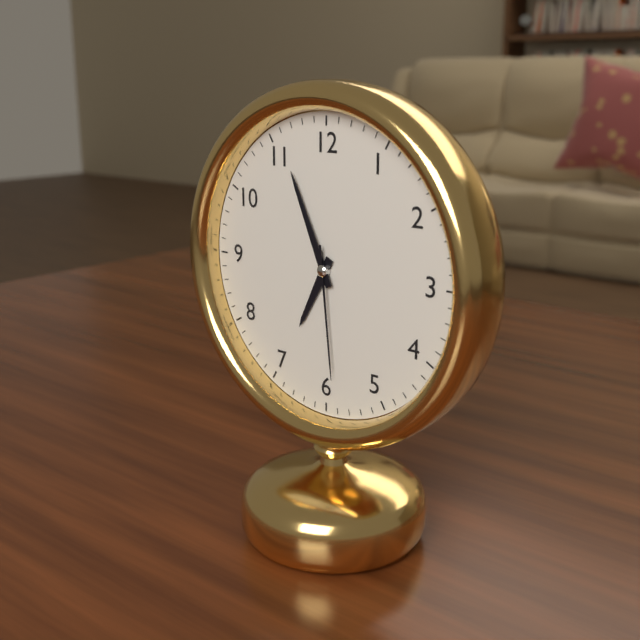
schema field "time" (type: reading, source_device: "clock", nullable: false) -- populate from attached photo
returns 6:56:29
